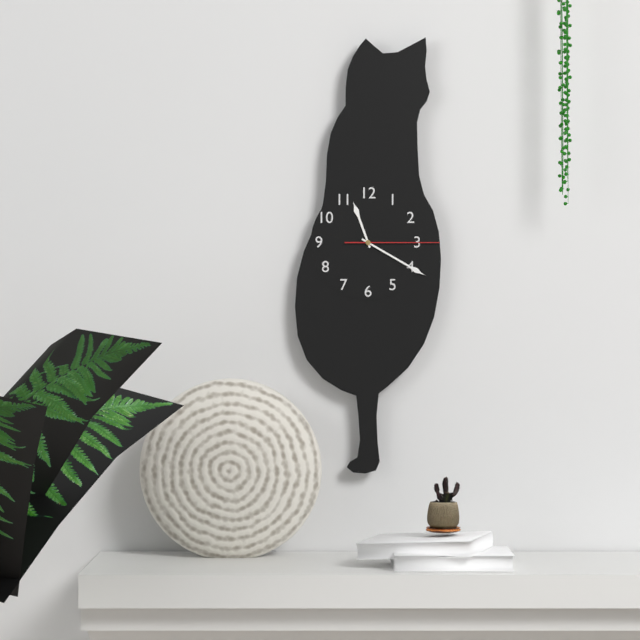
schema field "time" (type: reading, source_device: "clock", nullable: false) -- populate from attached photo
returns 11:20:15
